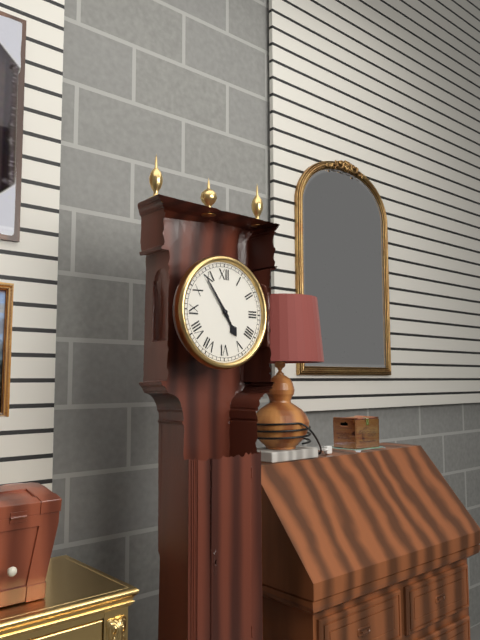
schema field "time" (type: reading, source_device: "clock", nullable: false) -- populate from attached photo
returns 4:54
